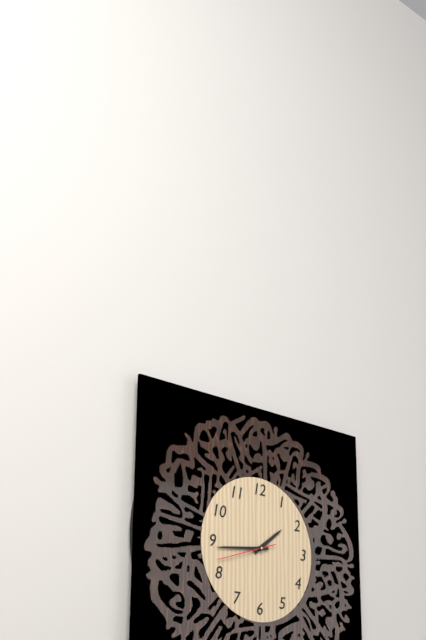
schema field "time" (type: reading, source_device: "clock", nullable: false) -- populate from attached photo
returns 1:44:42
